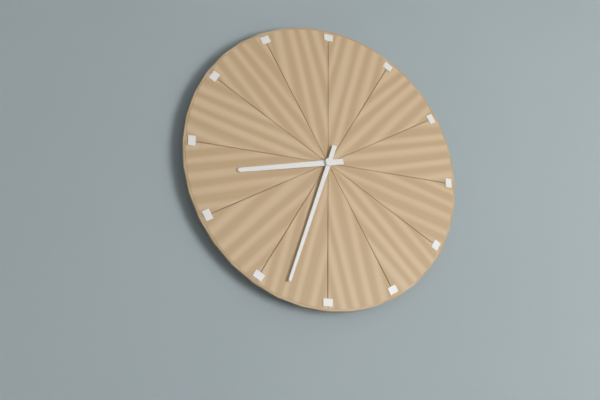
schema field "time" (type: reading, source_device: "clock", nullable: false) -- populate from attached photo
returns 8:33
